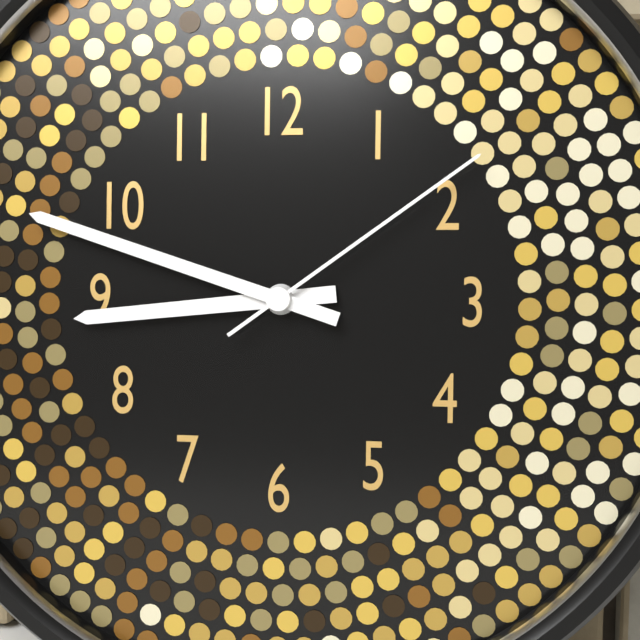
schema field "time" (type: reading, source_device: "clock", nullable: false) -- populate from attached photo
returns 8:48:09
